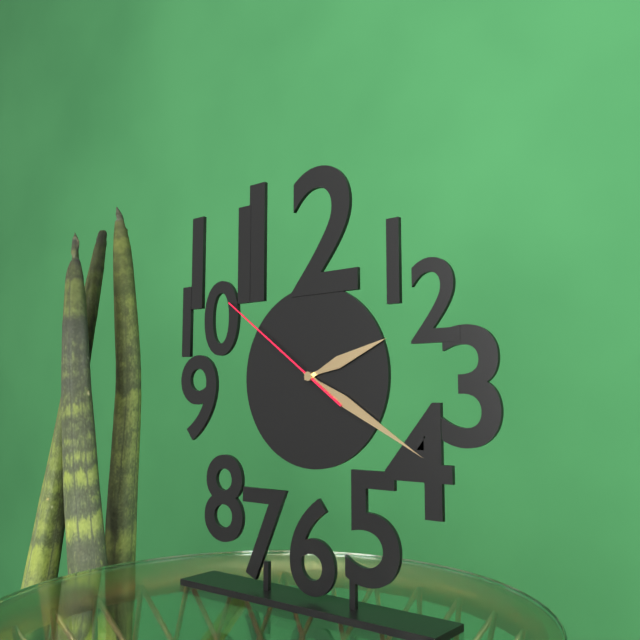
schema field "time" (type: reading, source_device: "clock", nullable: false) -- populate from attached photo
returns 2:20:51
